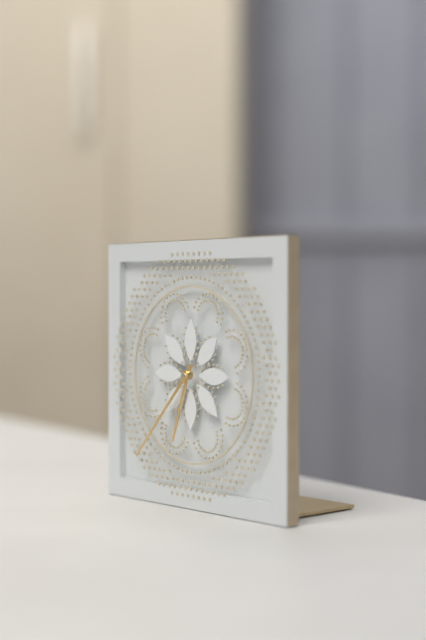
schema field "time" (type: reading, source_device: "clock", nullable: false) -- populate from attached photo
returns 6:37
